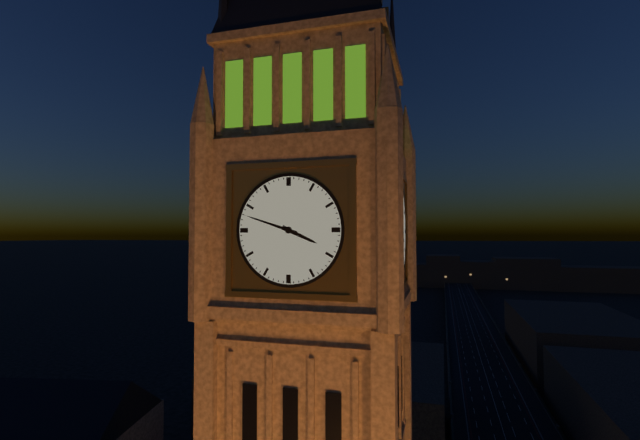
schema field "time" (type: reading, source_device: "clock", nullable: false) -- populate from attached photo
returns 3:48
